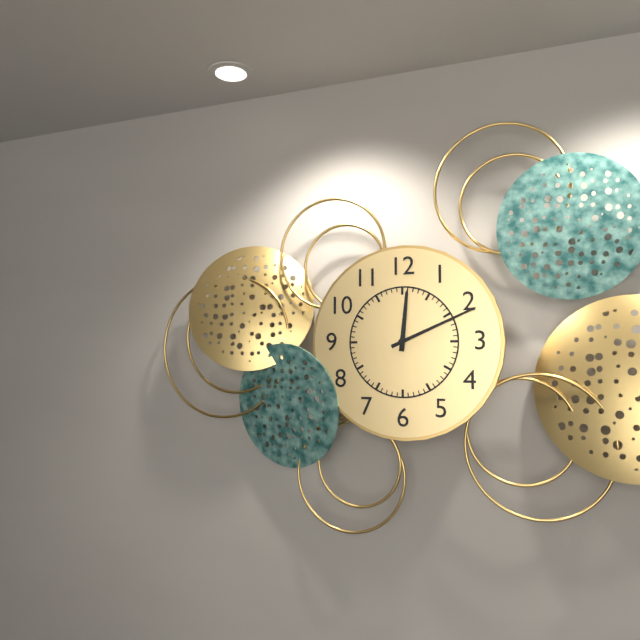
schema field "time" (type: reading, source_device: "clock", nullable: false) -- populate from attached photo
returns 12:11
